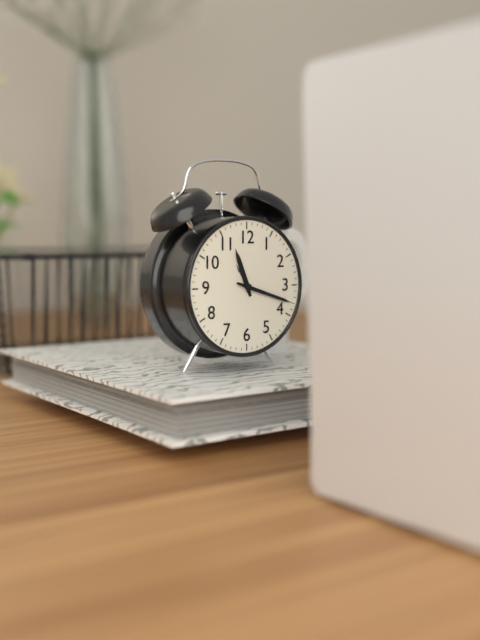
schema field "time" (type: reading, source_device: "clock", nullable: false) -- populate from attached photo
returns 11:18
